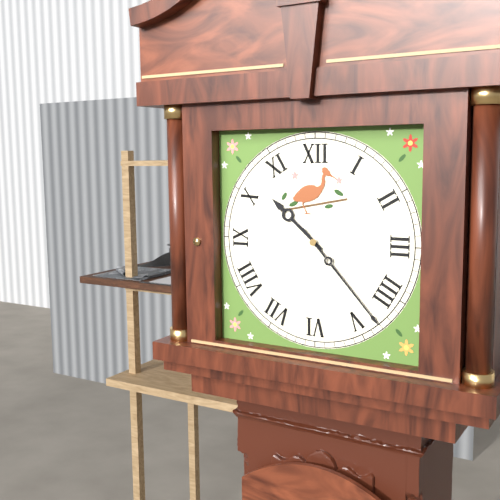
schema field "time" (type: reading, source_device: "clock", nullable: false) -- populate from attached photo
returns 10:23
